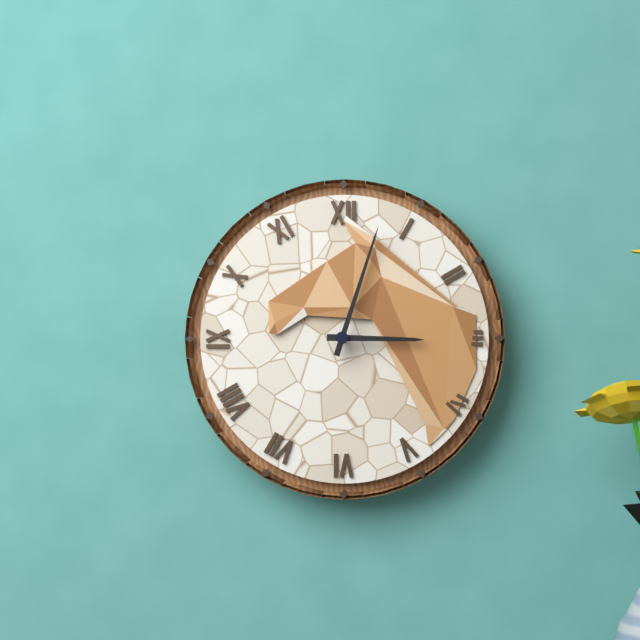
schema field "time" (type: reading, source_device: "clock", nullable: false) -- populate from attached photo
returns 3:03
